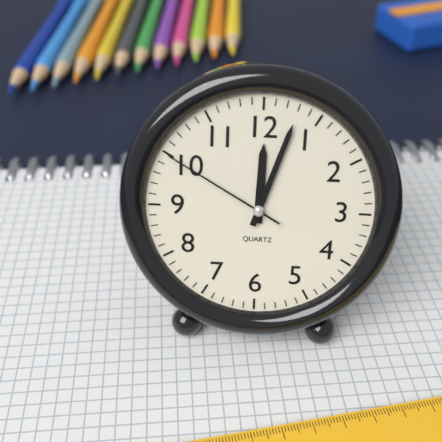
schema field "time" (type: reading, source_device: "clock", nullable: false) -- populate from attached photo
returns 12:03:50
